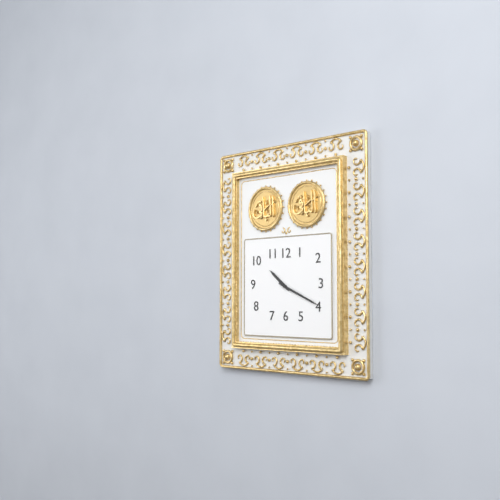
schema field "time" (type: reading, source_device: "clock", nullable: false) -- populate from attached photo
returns 10:19
